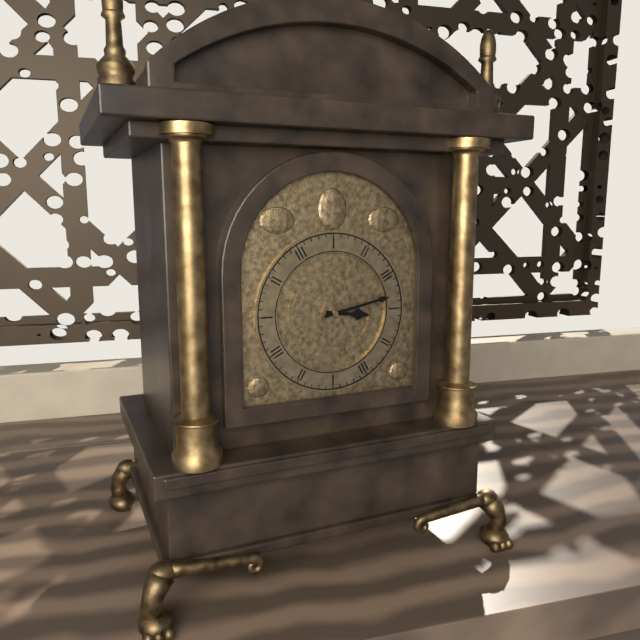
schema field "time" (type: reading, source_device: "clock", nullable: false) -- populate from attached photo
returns 3:13
